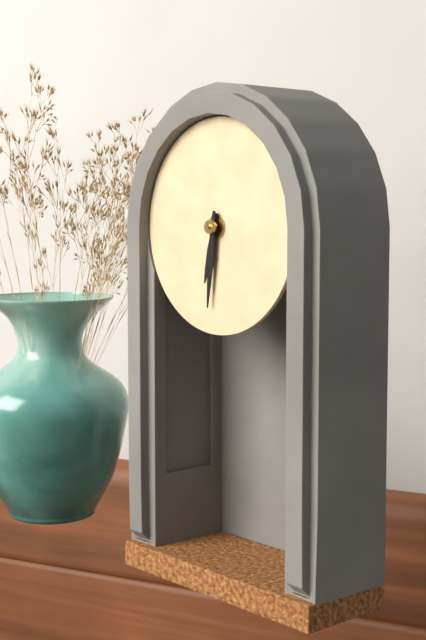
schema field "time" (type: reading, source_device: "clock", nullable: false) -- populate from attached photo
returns 6:31
